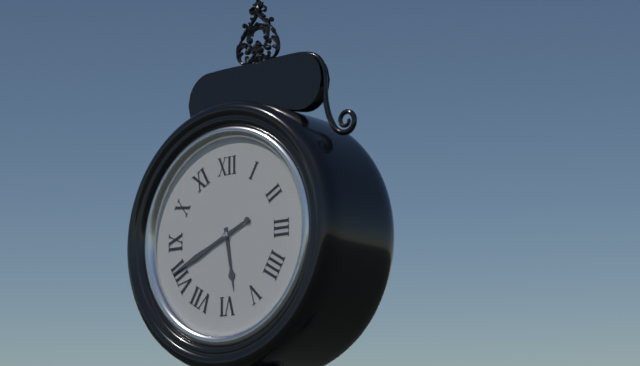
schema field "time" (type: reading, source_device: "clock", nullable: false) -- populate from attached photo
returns 5:41
